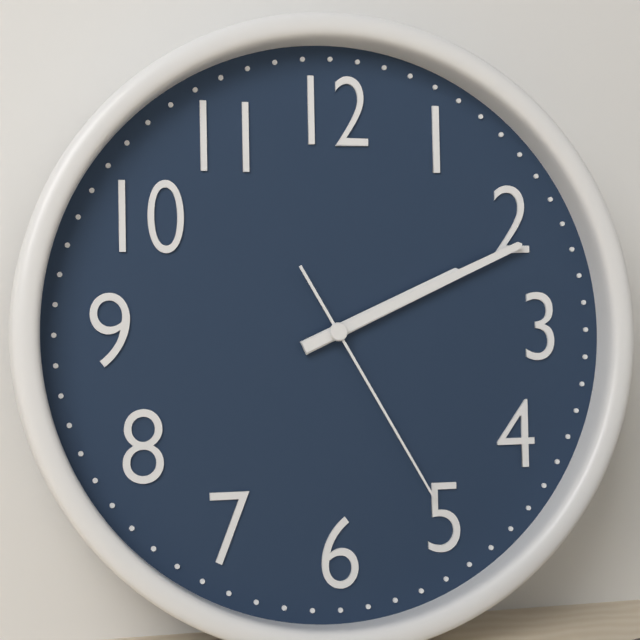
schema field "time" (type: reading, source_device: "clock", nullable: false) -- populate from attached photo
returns 2:11:25
